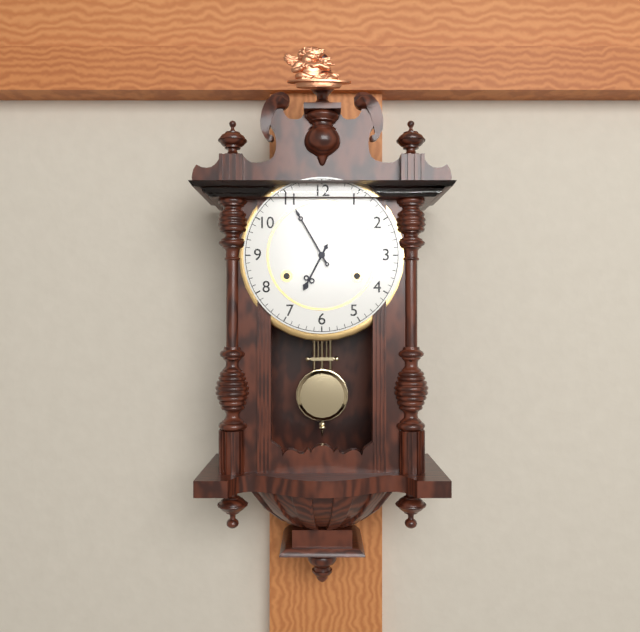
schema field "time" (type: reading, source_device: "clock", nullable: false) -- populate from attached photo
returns 6:55
